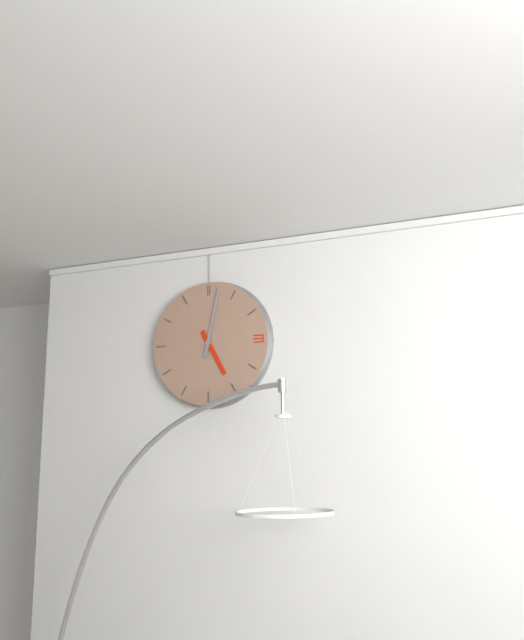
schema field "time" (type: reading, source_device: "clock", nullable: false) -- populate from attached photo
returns 5:02
